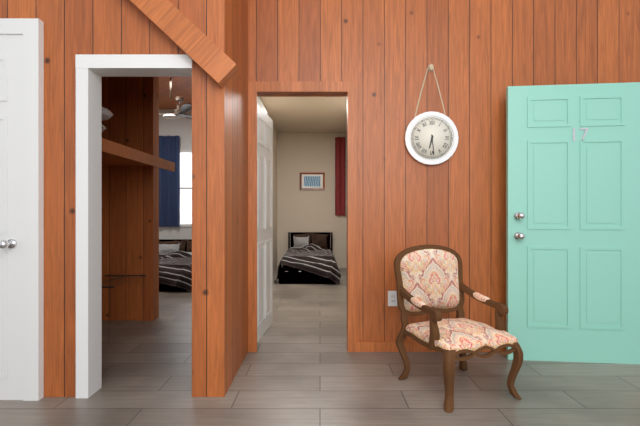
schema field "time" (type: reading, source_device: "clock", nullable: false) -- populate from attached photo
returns 6:29
